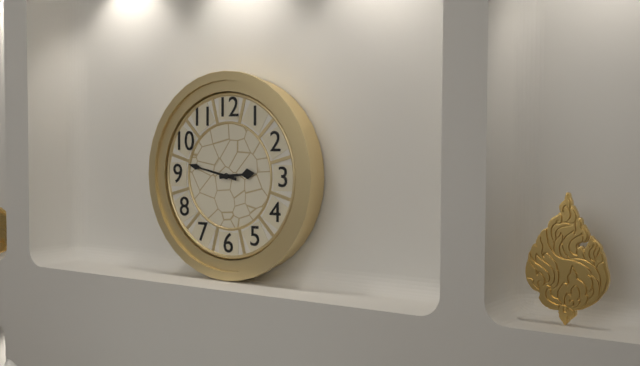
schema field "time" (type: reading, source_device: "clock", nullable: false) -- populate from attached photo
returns 2:47
